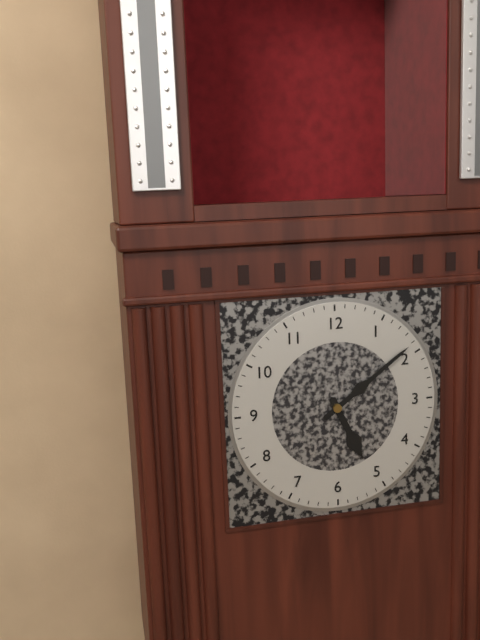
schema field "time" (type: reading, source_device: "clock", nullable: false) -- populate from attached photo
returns 5:09
